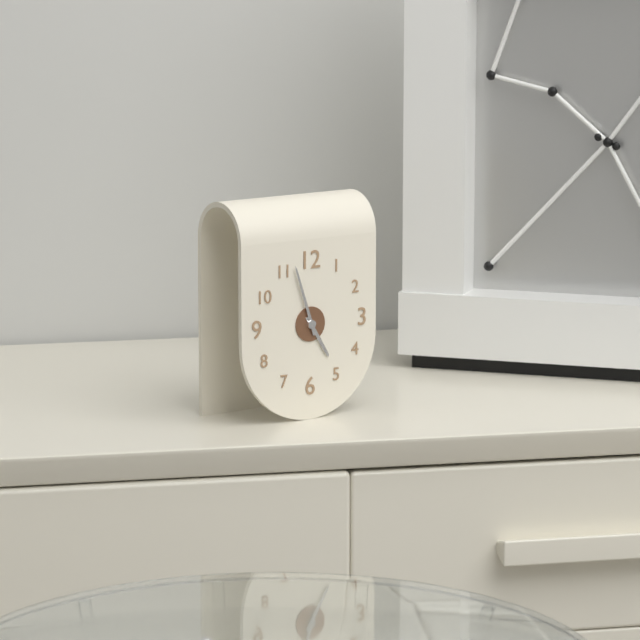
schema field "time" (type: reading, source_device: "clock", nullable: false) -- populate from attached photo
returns 4:57
